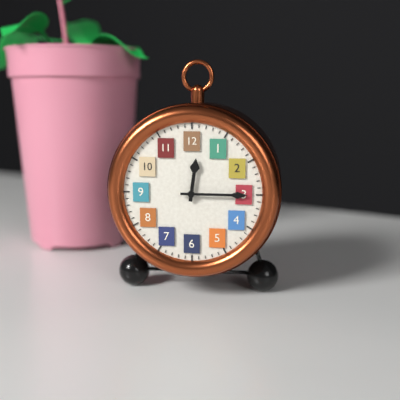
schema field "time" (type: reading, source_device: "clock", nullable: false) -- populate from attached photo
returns 12:15
